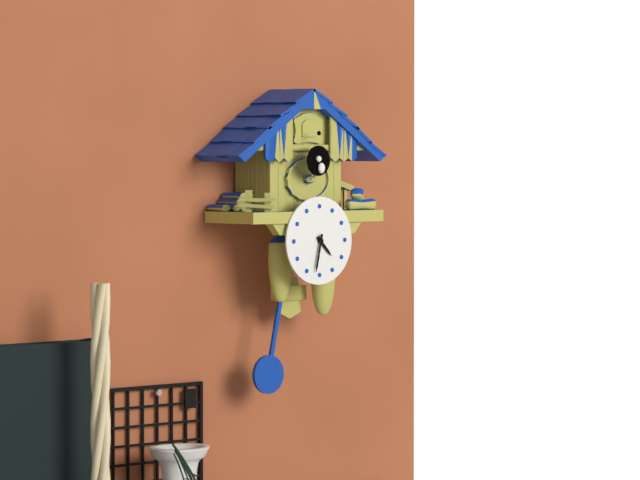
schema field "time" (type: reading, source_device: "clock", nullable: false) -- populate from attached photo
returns 4:32
